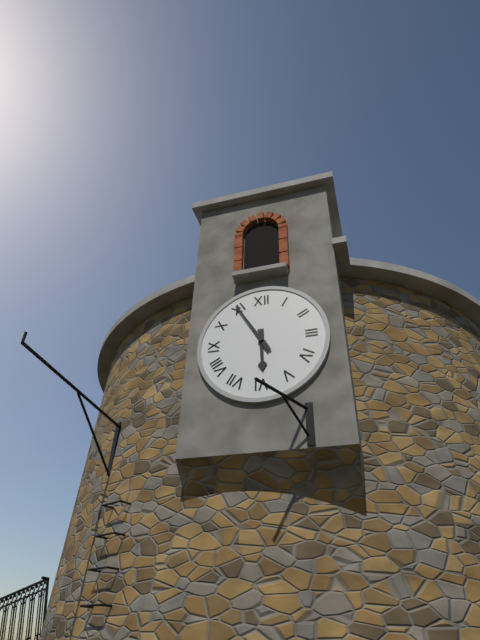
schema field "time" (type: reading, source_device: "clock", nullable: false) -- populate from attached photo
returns 5:55
